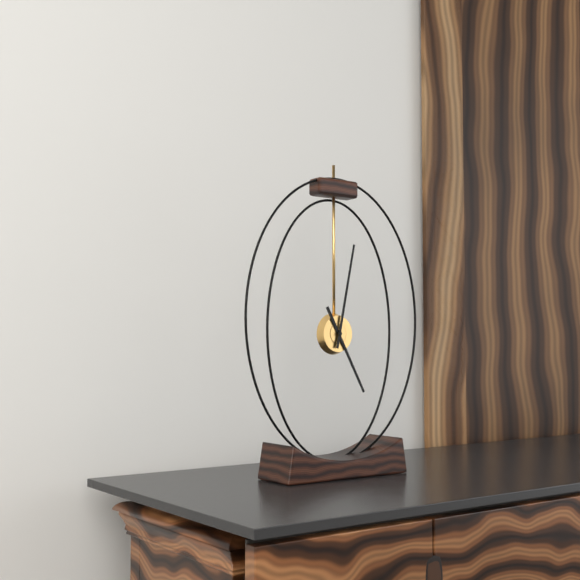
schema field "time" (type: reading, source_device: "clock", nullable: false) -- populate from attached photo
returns 5:02
